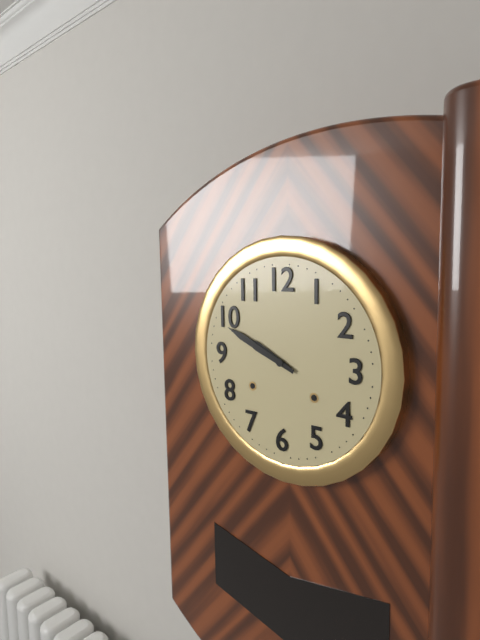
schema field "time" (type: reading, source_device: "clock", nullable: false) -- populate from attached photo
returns 9:49
